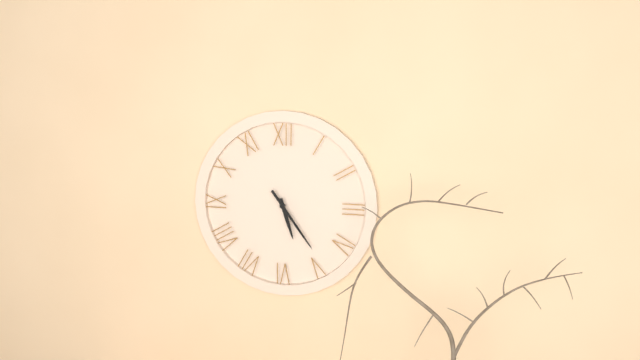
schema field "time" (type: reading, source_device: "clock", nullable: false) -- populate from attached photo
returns 5:24
